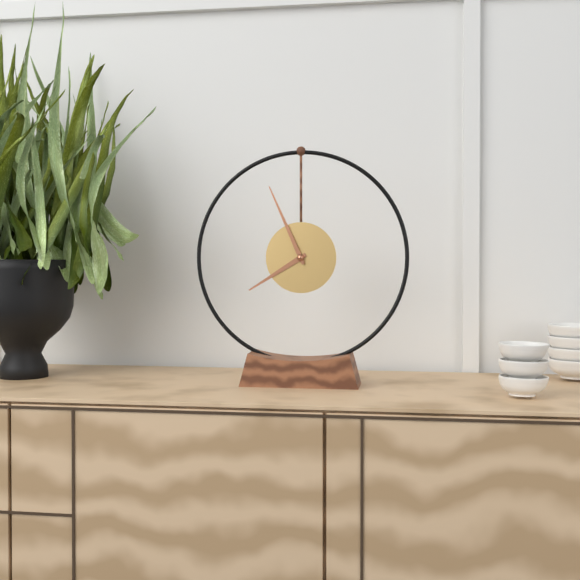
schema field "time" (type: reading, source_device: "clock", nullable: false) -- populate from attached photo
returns 7:56
